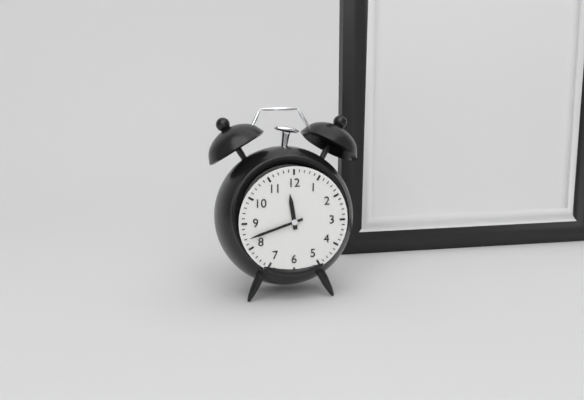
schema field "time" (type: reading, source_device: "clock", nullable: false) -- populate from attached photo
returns 11:42
